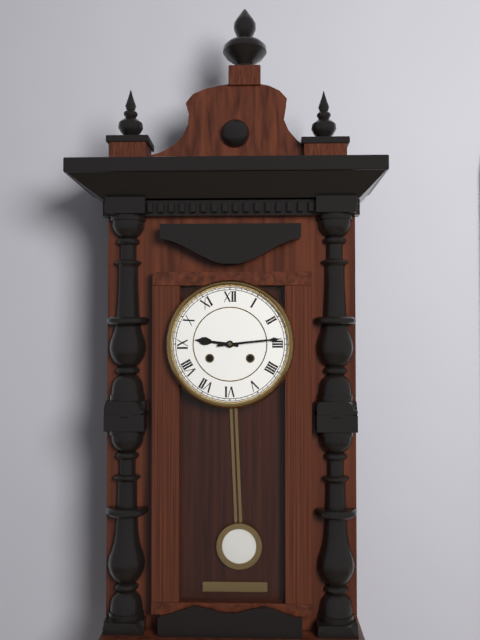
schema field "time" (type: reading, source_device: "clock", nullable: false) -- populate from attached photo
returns 9:14
